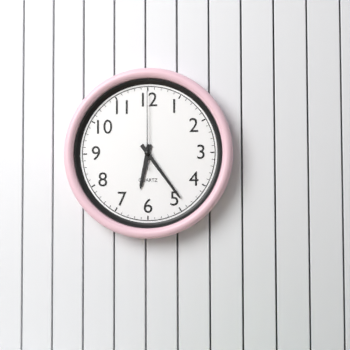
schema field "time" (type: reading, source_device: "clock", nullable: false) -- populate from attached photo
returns 6:24:00
